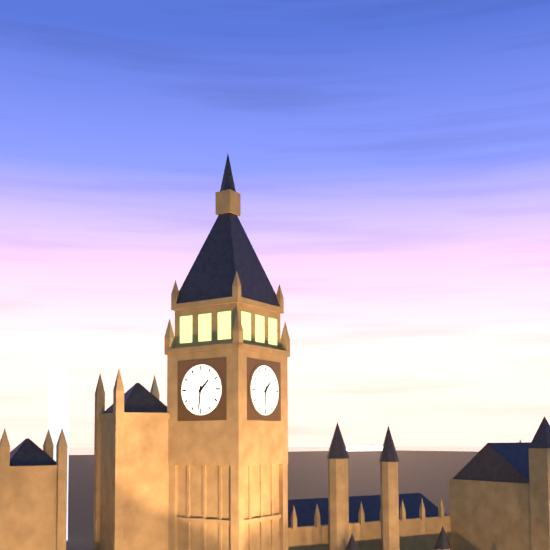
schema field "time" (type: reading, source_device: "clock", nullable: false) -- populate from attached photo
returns 1:31
